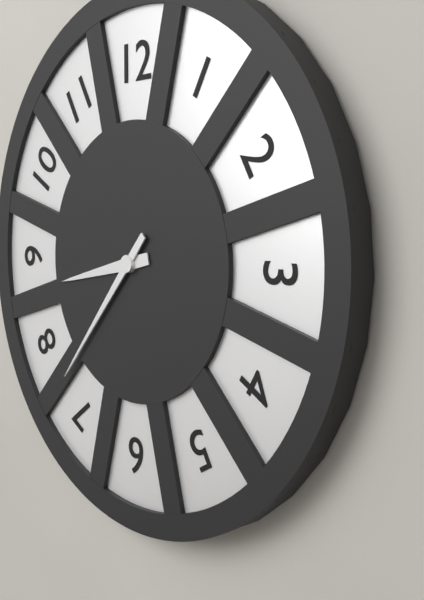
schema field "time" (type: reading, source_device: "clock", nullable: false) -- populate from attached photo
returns 8:37
